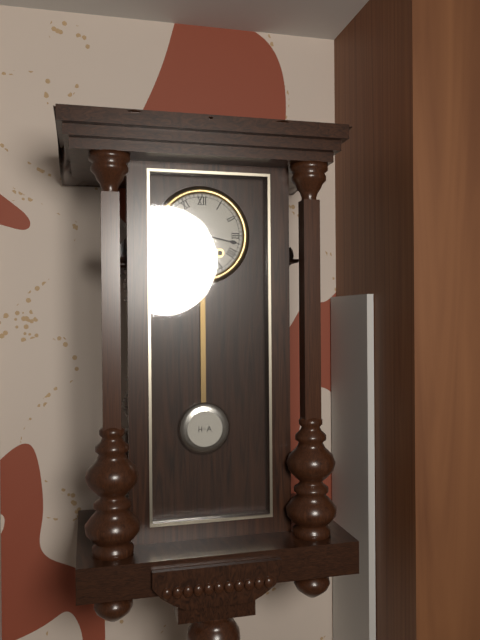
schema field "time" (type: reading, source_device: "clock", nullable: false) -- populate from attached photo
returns 7:17
